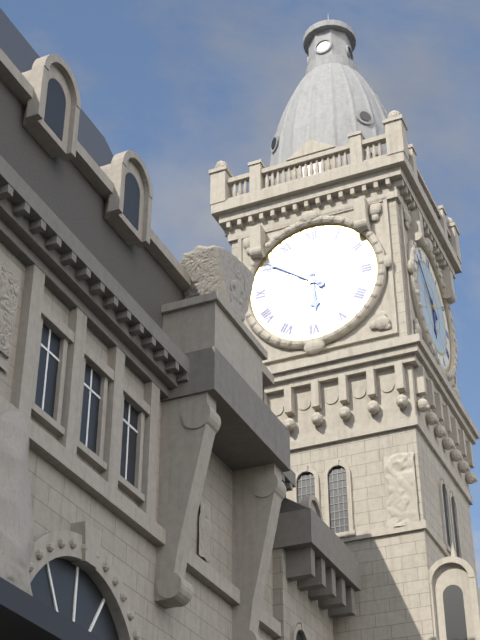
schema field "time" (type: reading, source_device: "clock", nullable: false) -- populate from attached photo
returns 5:51
